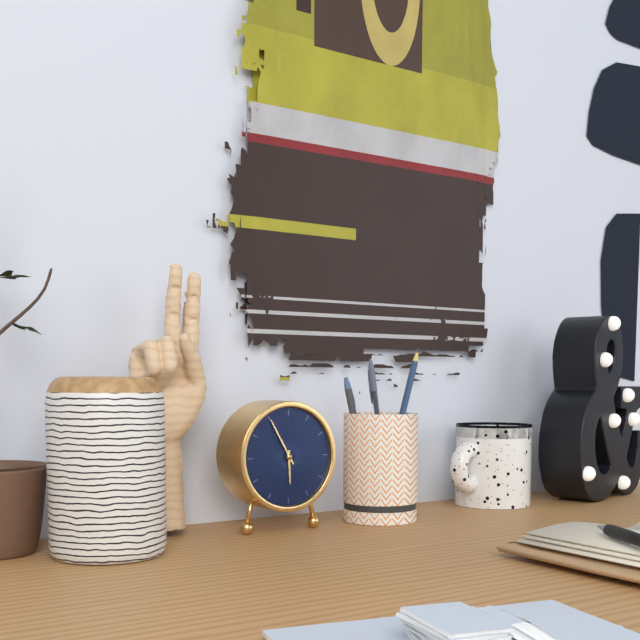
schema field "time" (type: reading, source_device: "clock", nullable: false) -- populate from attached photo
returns 5:55
